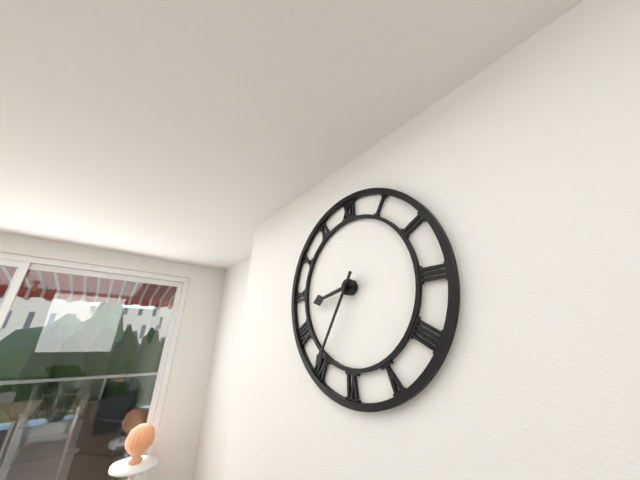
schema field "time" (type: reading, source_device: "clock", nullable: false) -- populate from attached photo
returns 8:35
